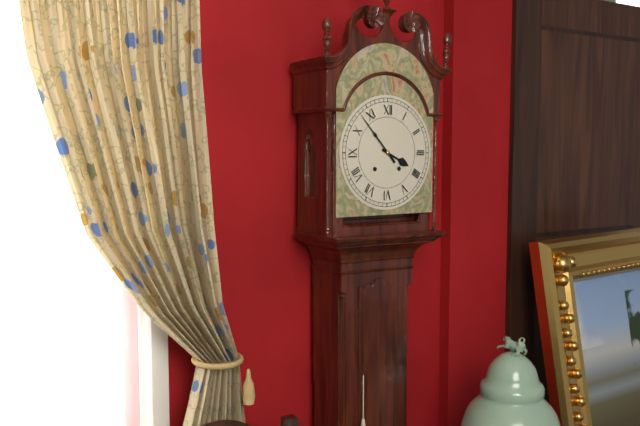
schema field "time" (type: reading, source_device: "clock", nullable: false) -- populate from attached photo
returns 3:53
